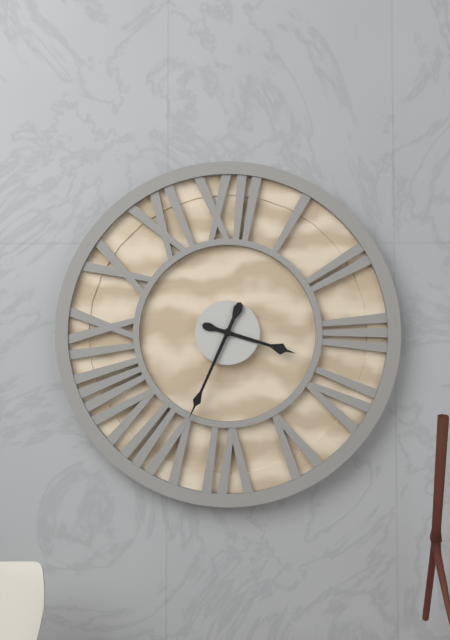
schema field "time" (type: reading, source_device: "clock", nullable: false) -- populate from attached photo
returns 3:34
